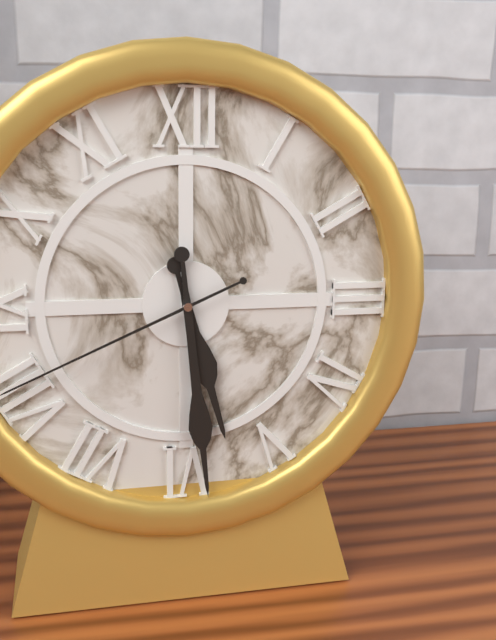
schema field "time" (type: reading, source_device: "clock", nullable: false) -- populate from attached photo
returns 5:29
